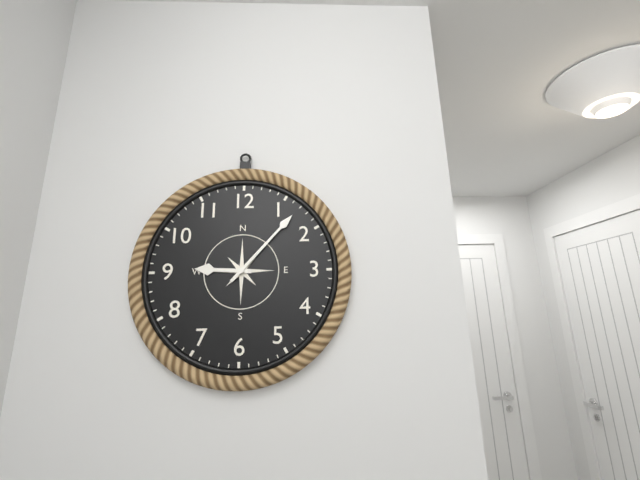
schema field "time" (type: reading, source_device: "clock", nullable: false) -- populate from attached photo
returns 9:07
